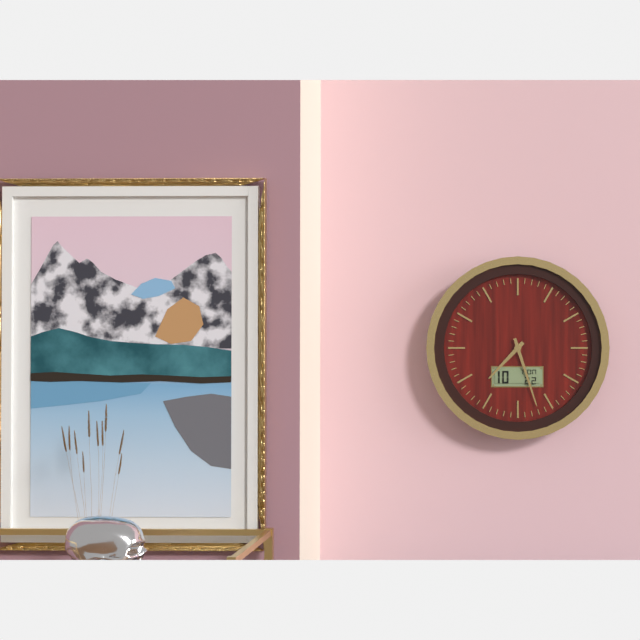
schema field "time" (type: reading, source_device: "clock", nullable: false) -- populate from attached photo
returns 7:27
